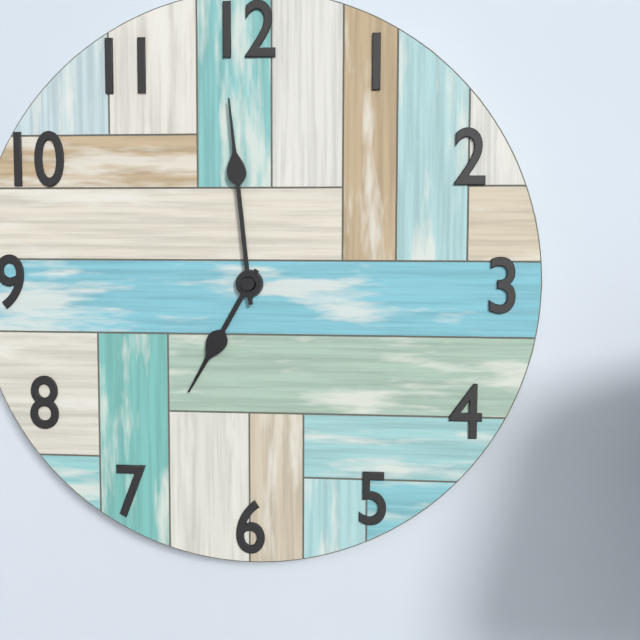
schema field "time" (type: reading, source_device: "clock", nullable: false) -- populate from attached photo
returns 6:59
